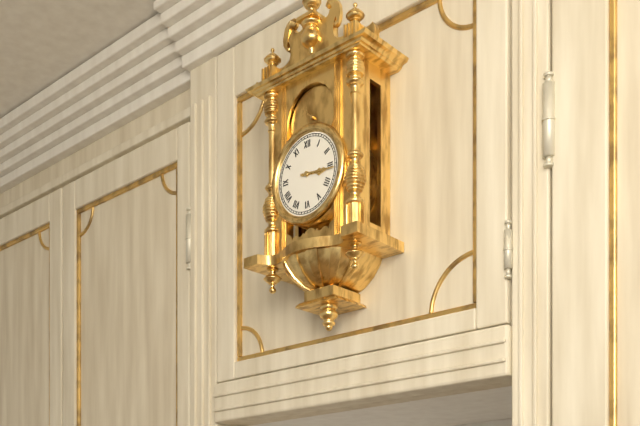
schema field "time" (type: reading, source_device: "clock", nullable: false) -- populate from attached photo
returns 3:16
